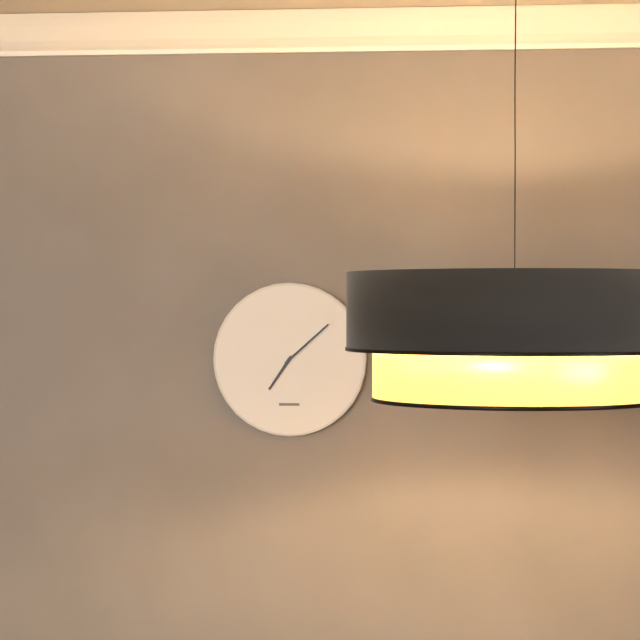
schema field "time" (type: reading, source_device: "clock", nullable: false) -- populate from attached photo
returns 7:08
